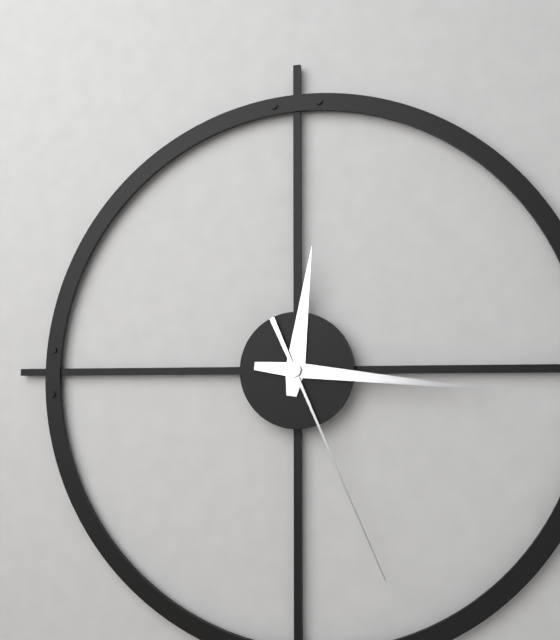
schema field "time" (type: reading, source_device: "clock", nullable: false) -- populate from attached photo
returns 12:16:26
